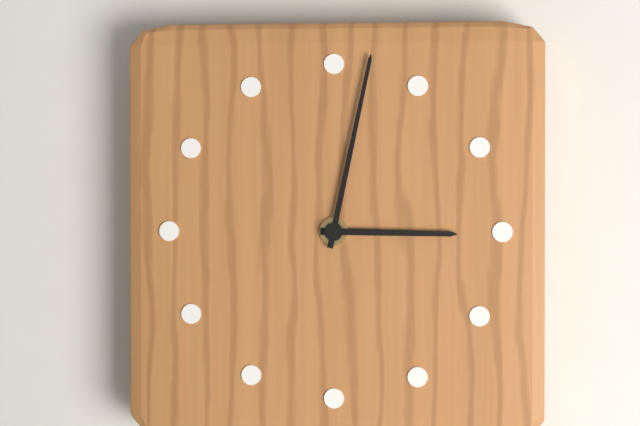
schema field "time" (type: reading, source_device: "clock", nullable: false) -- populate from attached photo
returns 3:02
